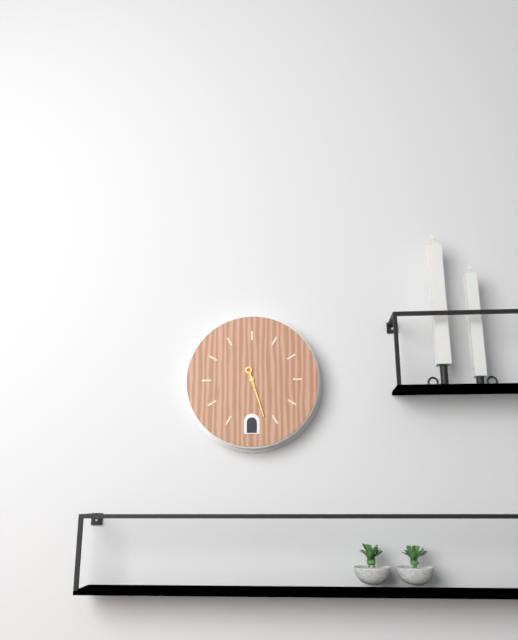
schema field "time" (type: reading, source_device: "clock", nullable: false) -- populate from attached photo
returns 5:27
